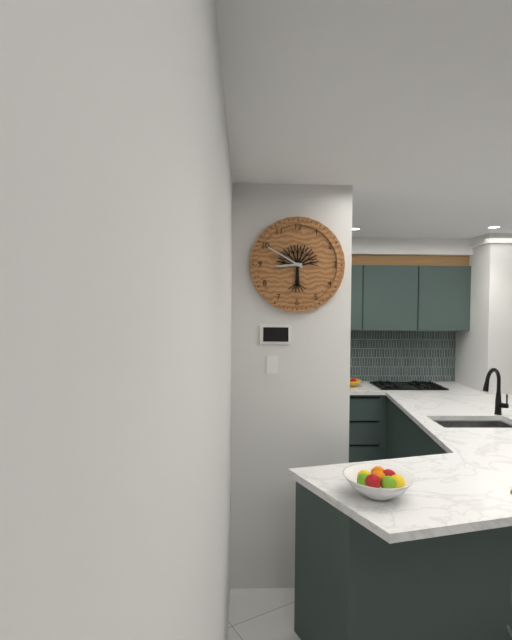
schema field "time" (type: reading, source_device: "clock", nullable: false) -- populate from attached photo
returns 8:50
